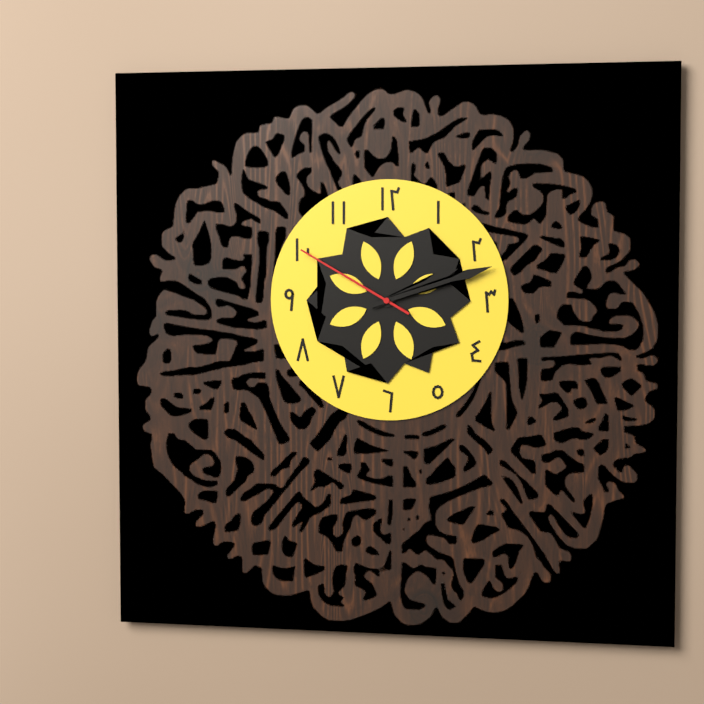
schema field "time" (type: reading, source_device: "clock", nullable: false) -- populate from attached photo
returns 2:12:50
